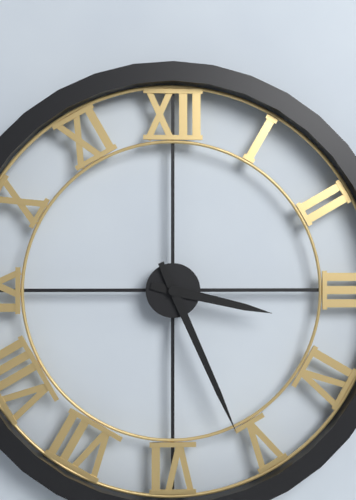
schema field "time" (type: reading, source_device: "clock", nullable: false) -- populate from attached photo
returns 3:26
